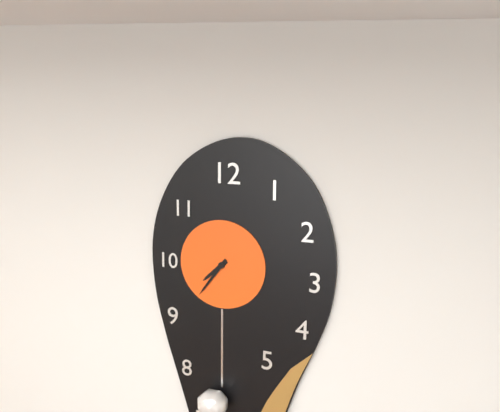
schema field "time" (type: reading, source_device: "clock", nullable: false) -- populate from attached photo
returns 7:36
